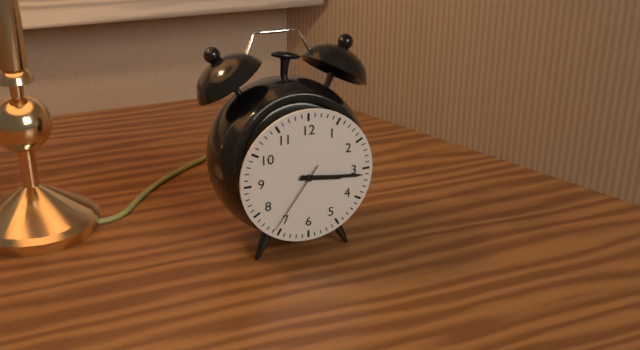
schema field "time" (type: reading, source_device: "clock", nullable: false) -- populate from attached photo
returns 3:16:36
